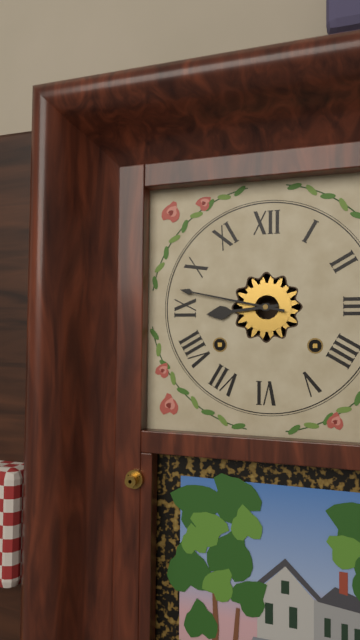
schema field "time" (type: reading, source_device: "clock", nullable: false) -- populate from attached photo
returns 8:47
